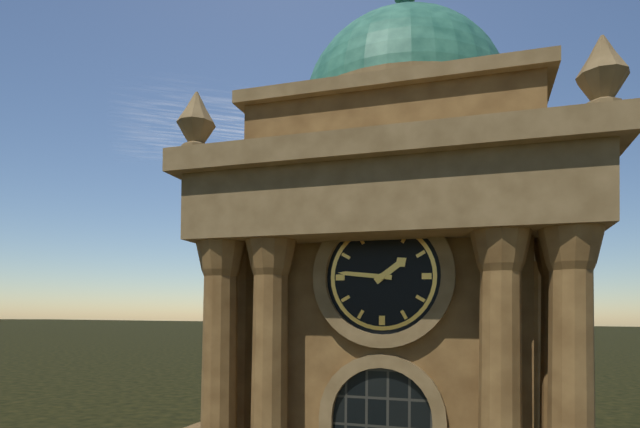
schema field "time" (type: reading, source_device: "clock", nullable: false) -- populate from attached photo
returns 1:46
